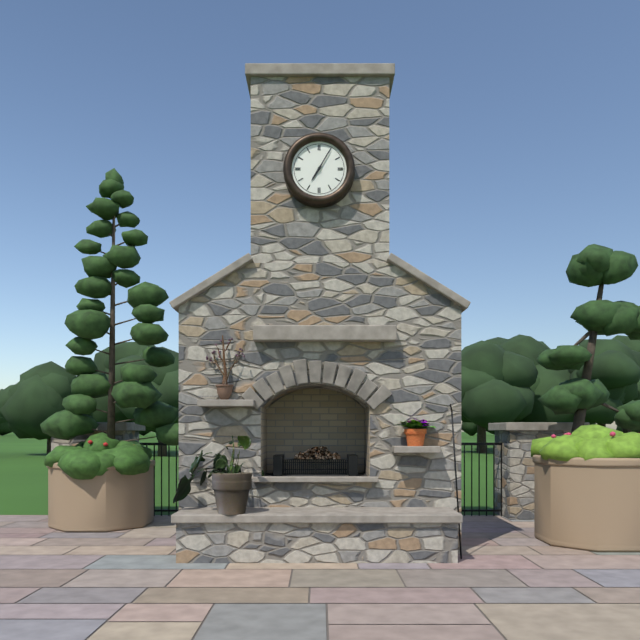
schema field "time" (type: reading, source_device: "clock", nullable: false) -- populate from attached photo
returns 7:05
